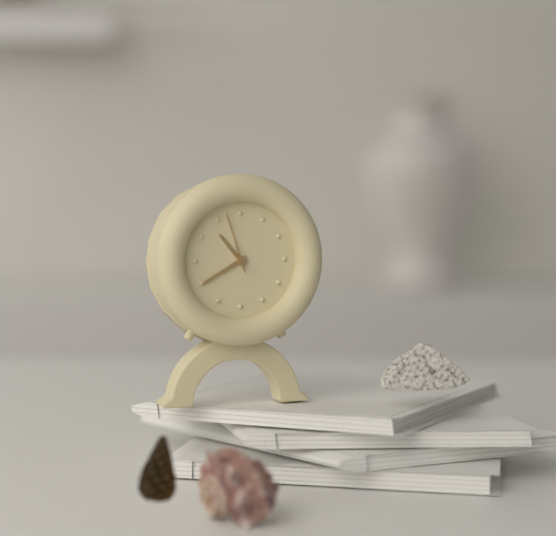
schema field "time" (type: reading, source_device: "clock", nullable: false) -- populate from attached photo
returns 10:40:57
